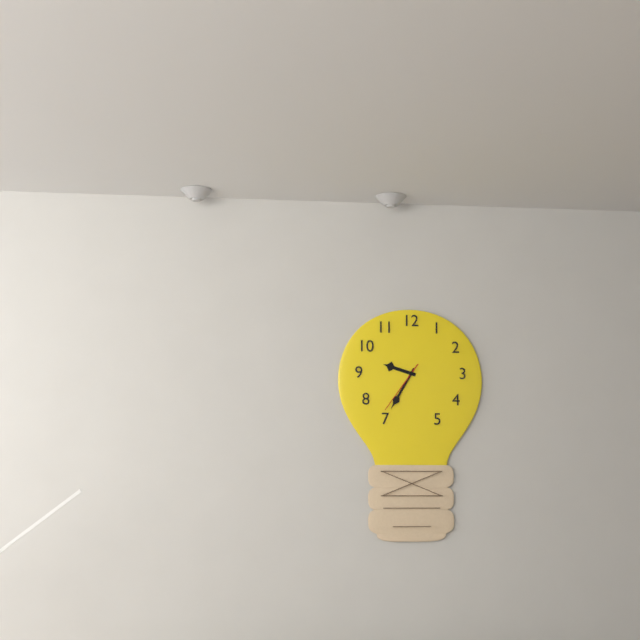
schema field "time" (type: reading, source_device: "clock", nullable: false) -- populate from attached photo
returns 9:35:36
